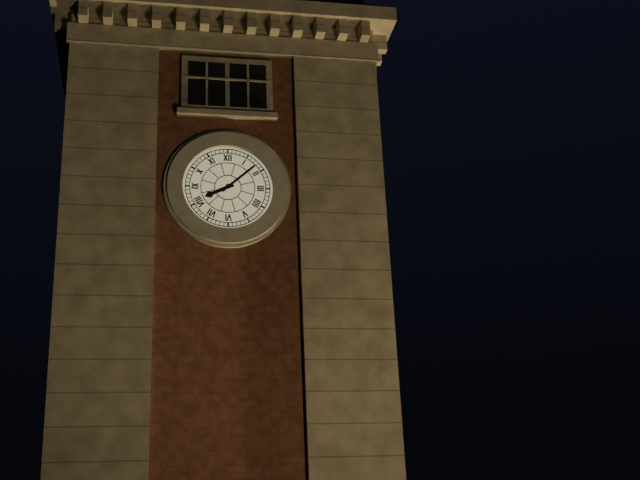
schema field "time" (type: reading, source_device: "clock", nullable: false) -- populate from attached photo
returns 8:08
